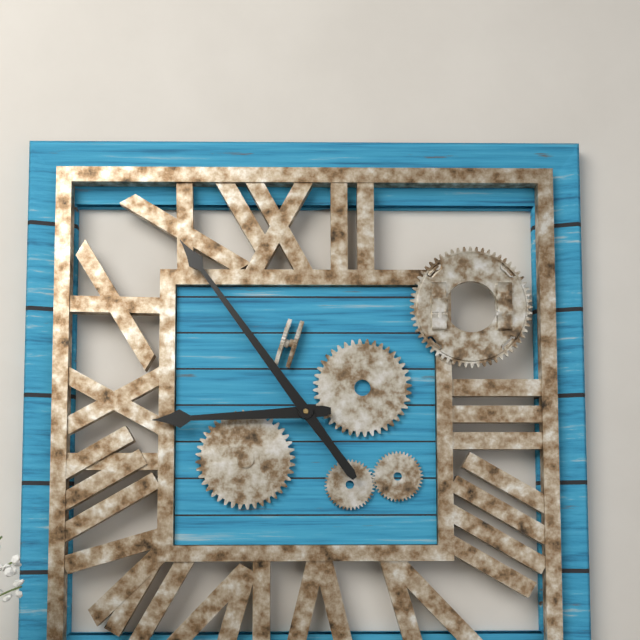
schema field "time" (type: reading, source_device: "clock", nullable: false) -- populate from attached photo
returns 8:54
